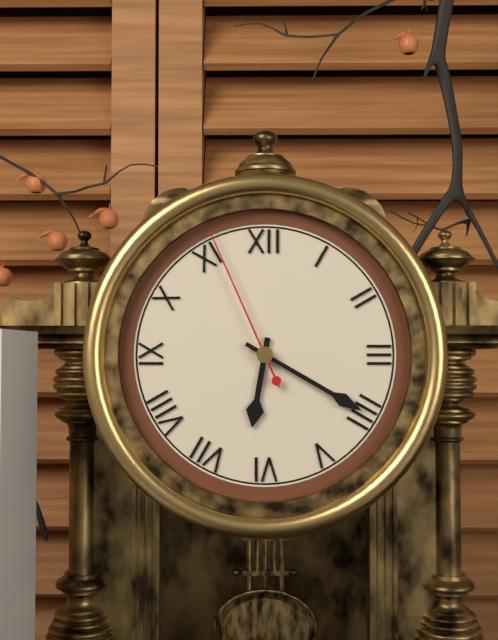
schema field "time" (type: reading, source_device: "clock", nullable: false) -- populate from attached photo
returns 6:20:56
